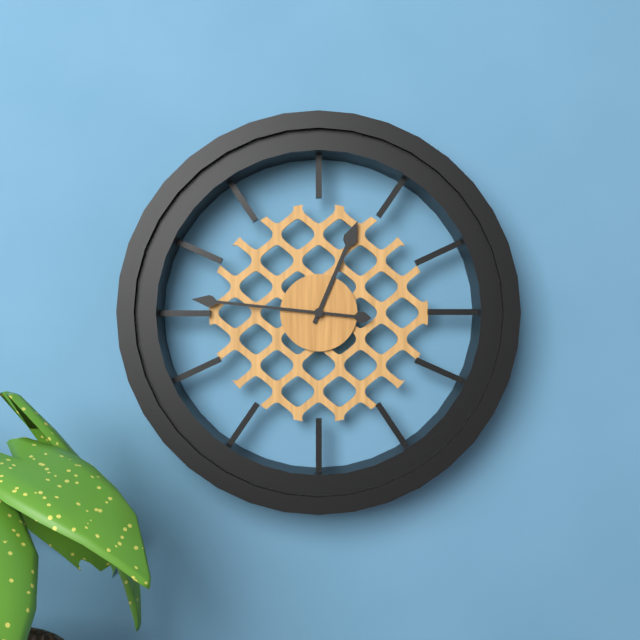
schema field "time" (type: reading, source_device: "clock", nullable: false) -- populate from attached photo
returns 12:46
